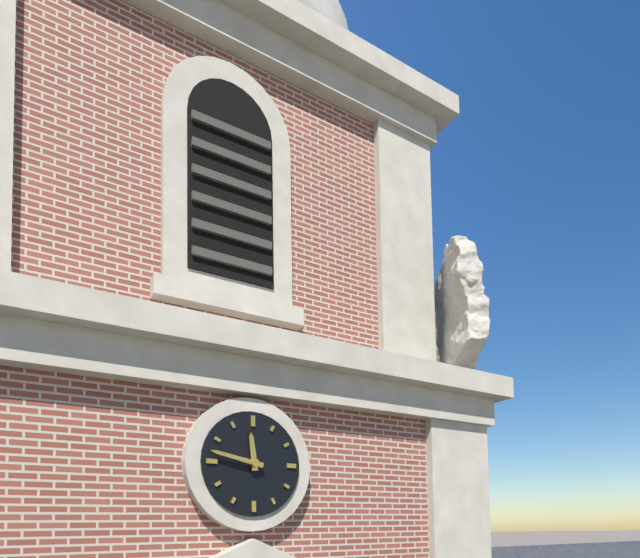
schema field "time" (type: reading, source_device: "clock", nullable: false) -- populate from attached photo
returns 11:47
